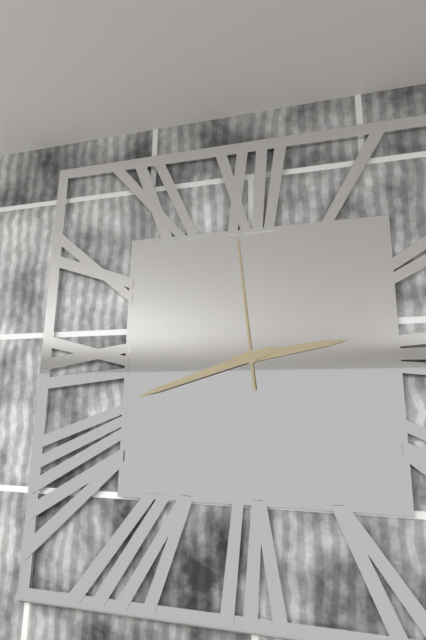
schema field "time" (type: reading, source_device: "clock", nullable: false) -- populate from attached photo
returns 2:42:59
